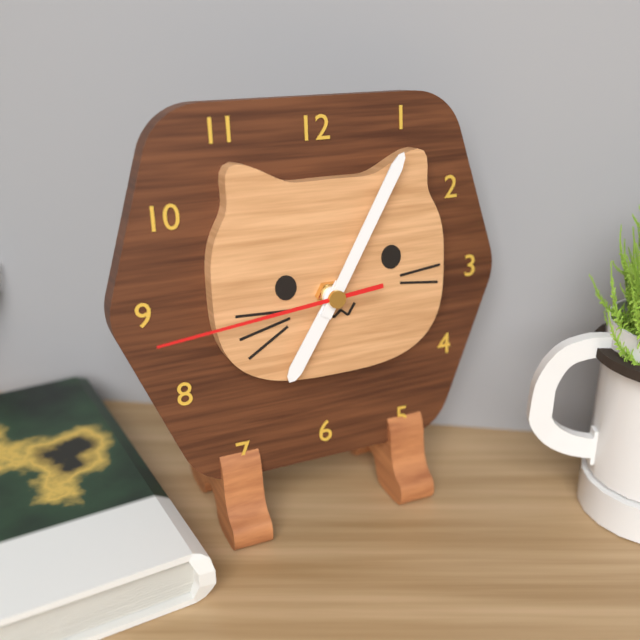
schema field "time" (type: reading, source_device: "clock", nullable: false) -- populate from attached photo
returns 7:05:44
